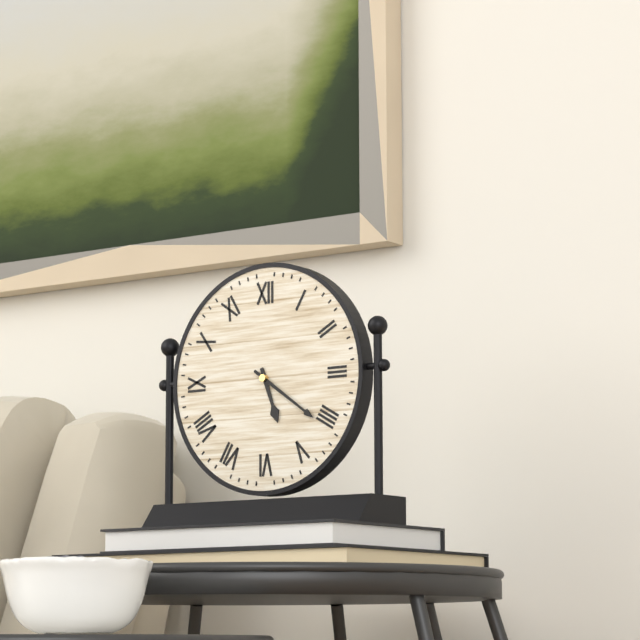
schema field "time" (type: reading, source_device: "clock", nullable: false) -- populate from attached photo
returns 5:21
